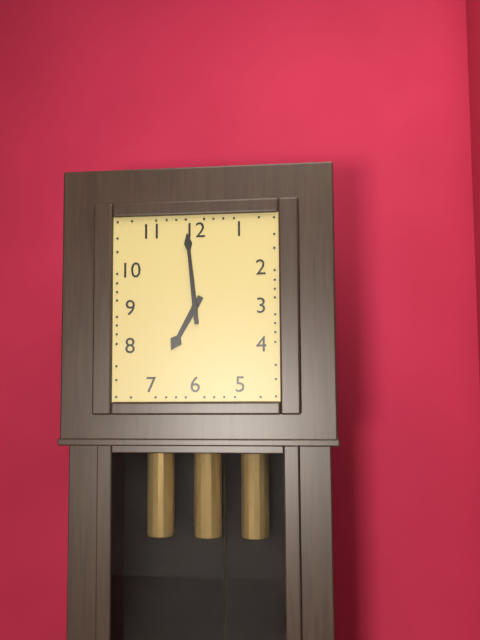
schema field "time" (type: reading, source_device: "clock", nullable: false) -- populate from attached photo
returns 6:59
